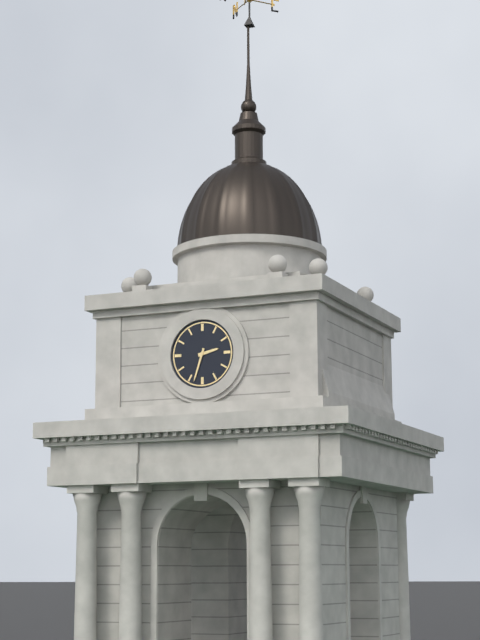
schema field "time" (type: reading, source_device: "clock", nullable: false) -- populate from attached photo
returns 2:33
